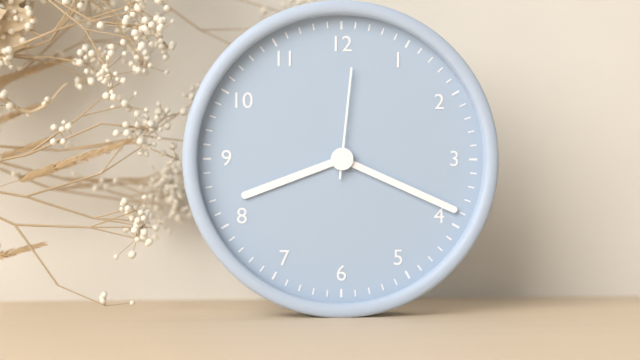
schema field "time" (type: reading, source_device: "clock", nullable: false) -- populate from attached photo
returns 8:19:01
